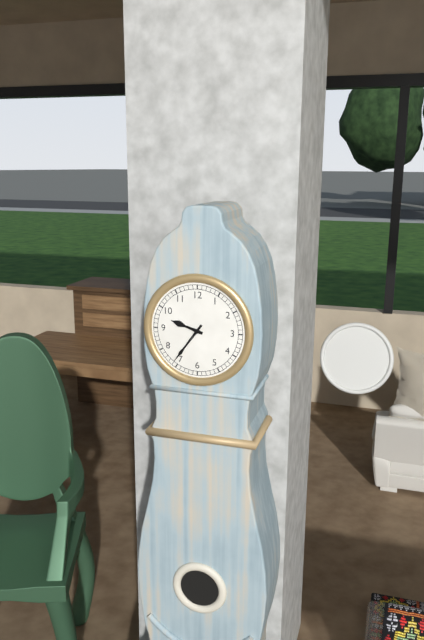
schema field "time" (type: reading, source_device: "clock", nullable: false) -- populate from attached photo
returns 9:36
